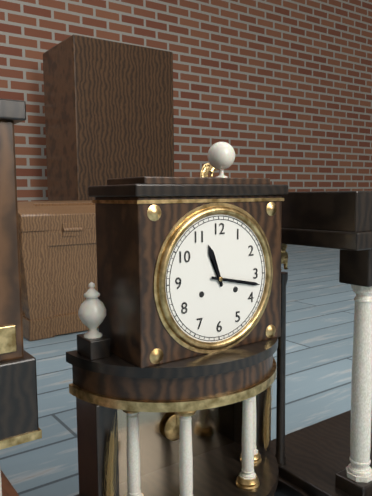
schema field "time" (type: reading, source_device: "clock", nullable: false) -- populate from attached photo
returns 11:17
